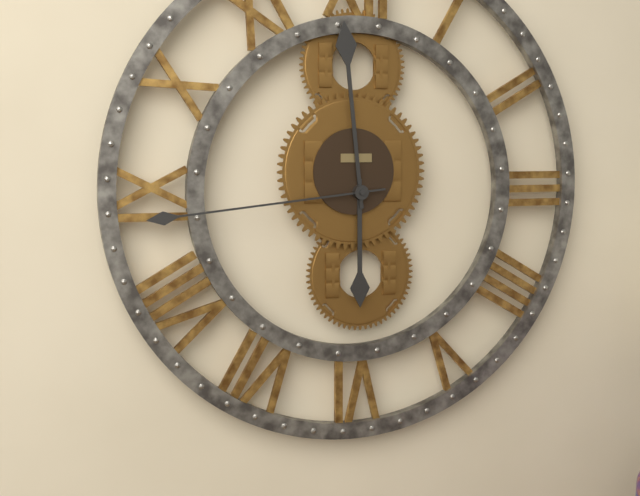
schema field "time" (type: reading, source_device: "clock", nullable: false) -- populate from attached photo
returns 5:59:44
